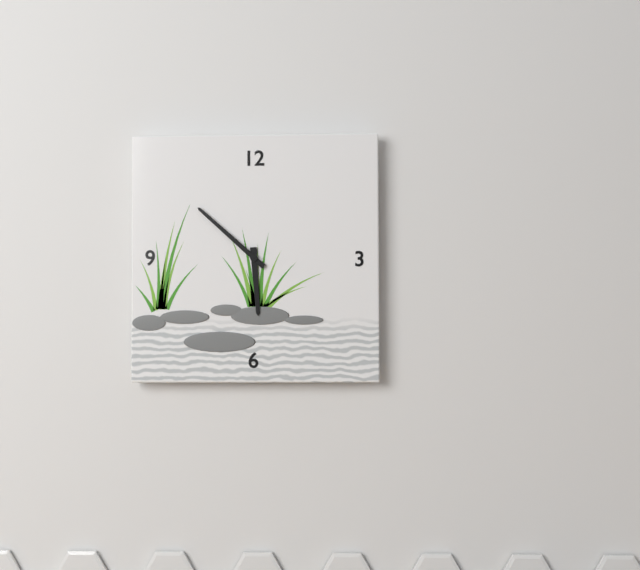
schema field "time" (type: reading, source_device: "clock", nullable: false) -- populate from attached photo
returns 5:52
